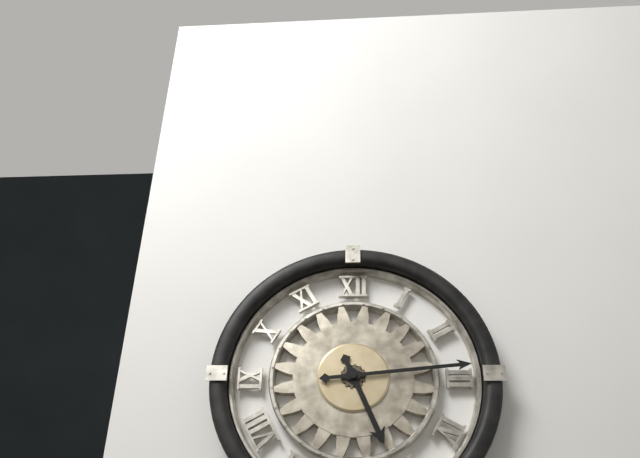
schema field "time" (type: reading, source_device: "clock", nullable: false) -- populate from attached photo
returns 5:14
